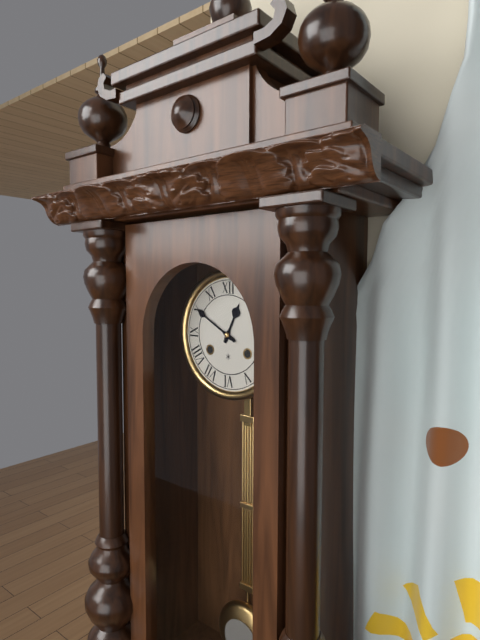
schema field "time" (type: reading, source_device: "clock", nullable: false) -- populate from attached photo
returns 12:50
